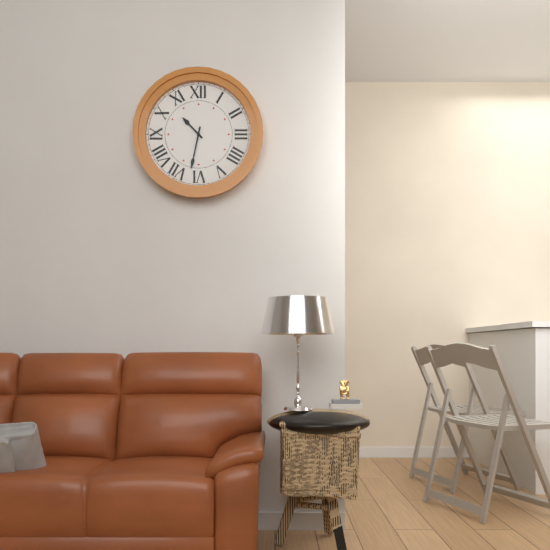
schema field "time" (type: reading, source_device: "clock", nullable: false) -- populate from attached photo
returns 10:32
